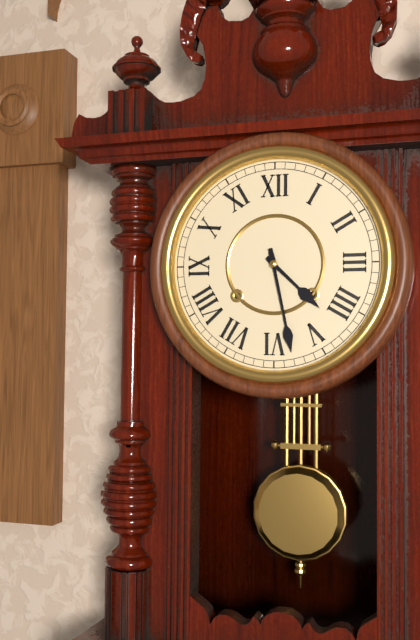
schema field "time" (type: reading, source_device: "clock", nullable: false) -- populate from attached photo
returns 4:28
